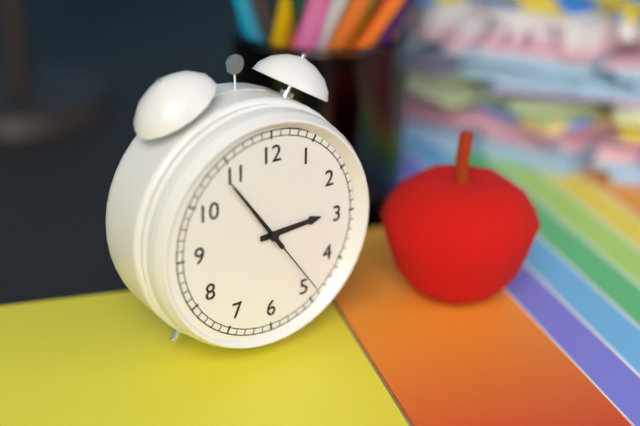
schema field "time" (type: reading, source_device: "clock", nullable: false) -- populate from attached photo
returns 2:54:24
